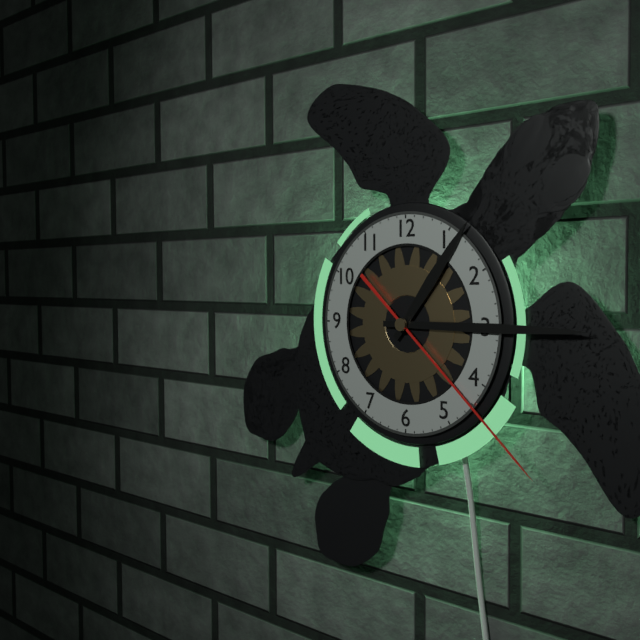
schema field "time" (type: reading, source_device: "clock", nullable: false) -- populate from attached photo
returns 1:15:22
